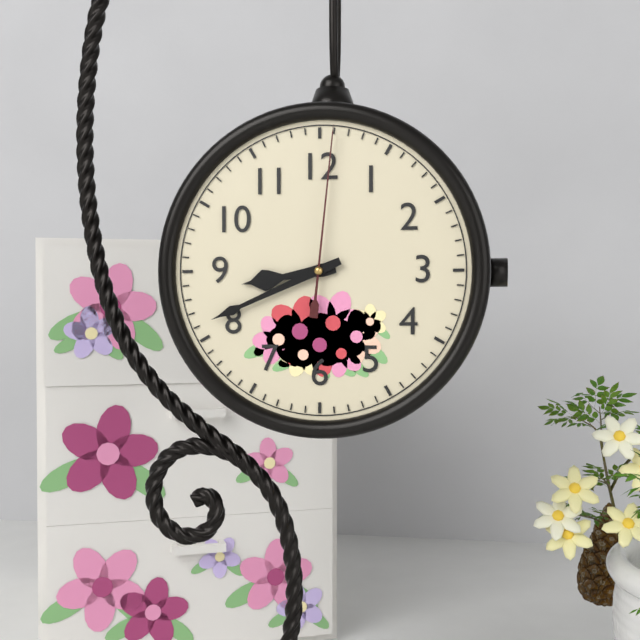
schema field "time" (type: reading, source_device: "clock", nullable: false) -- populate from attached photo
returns 8:41:01
